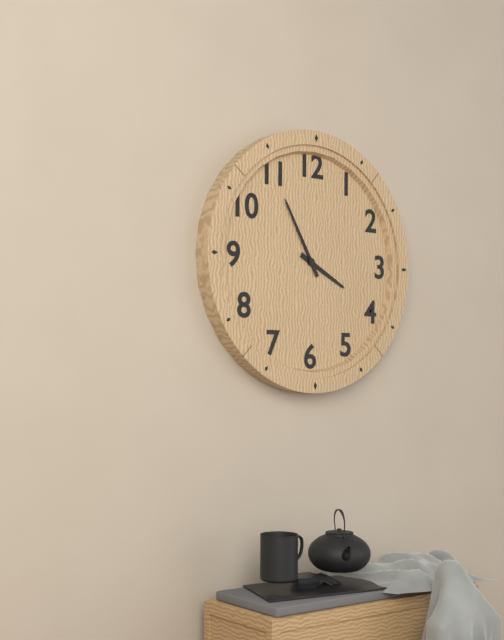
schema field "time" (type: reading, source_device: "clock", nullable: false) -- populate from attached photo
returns 3:55
